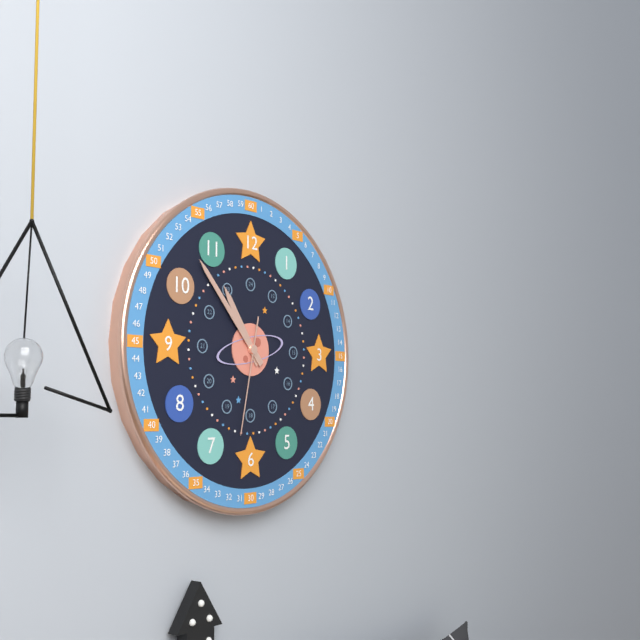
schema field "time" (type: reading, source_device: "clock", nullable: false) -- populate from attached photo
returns 10:53:32
